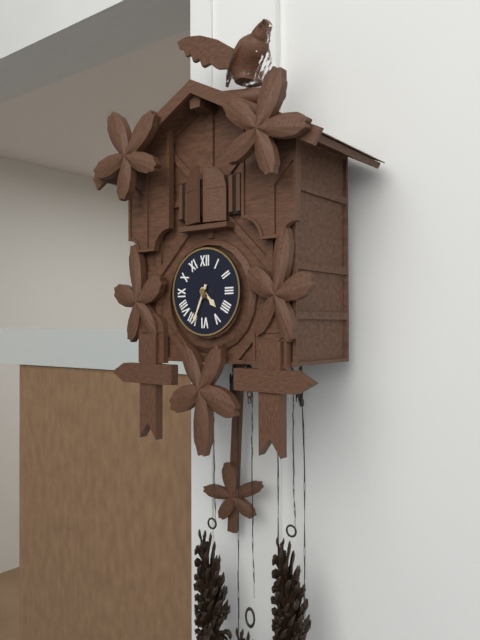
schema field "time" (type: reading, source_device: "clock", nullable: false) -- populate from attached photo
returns 4:34
